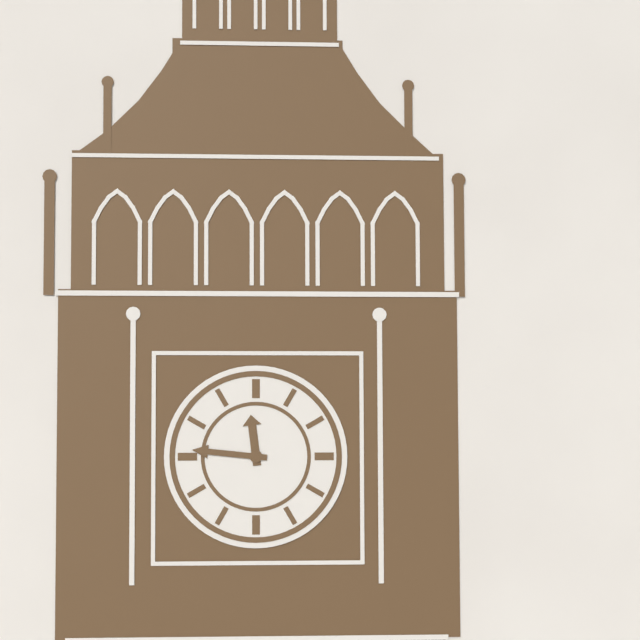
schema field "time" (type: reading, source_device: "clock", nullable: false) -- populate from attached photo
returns 11:46
